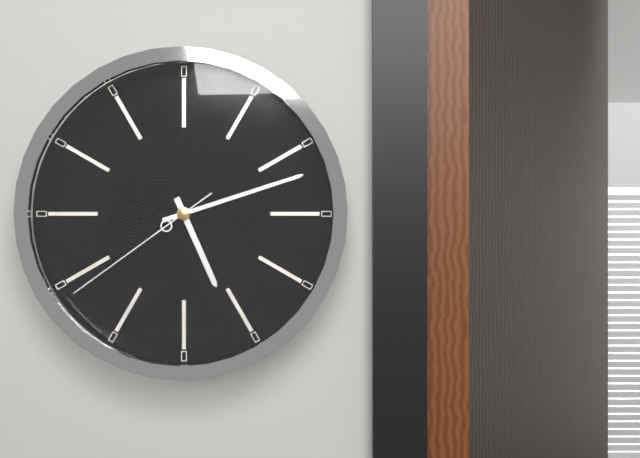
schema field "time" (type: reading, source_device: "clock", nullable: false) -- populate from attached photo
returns 5:12:39
